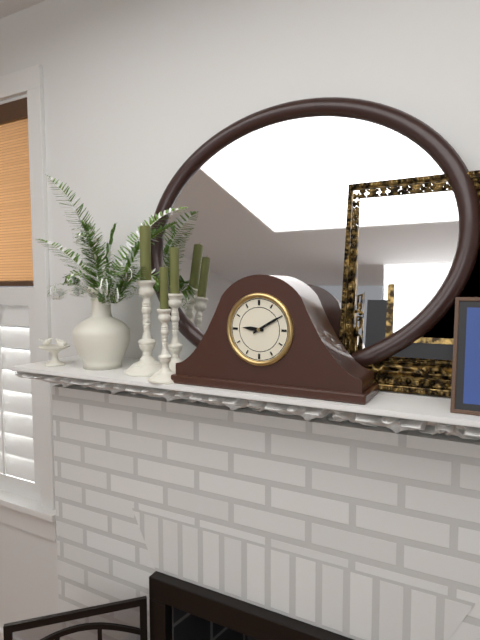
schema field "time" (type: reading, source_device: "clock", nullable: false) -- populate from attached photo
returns 9:10
